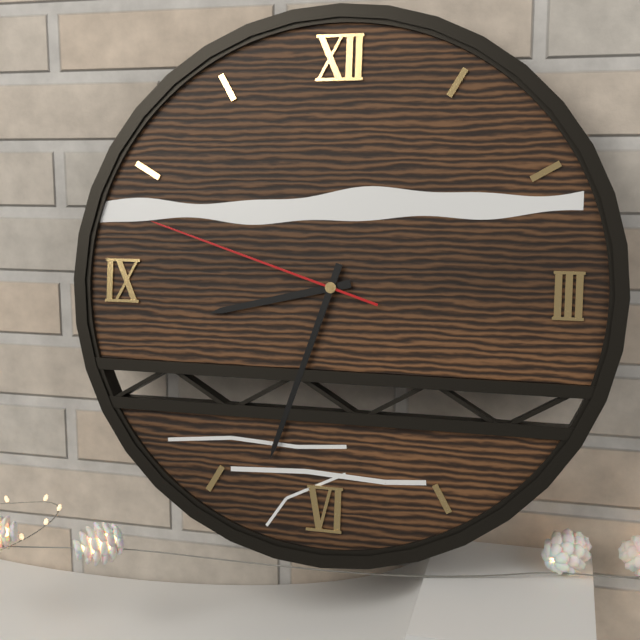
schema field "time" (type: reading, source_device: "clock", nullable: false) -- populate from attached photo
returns 8:33:48
